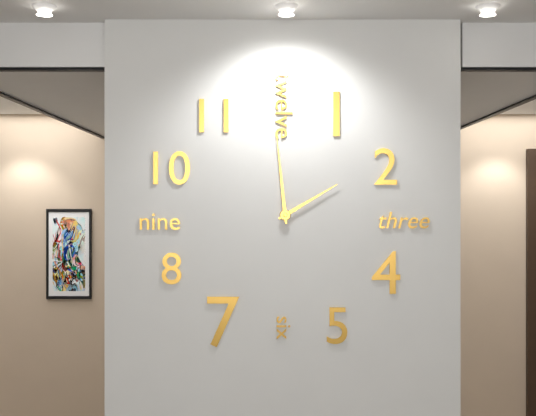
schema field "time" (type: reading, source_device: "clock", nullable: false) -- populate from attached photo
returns 1:59
